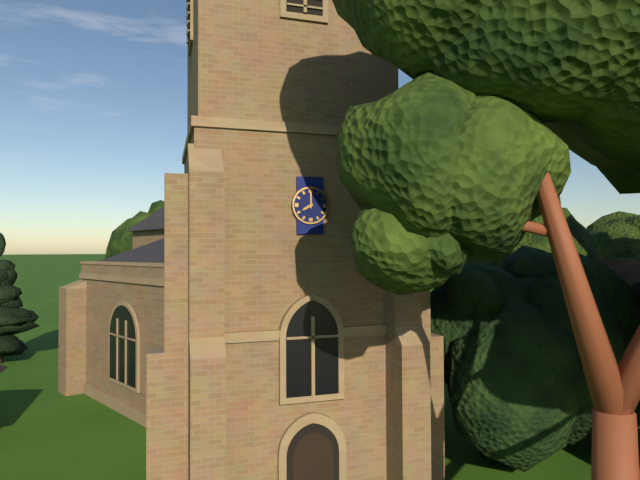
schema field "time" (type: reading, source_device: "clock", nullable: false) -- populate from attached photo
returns 8:00
